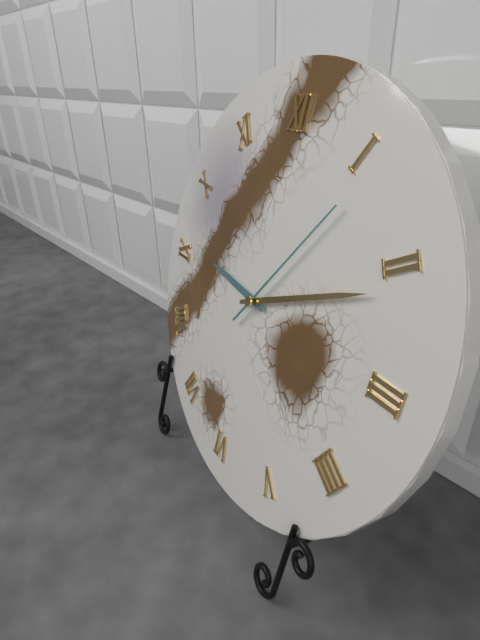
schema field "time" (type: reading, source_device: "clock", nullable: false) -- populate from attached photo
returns 9:11:06
